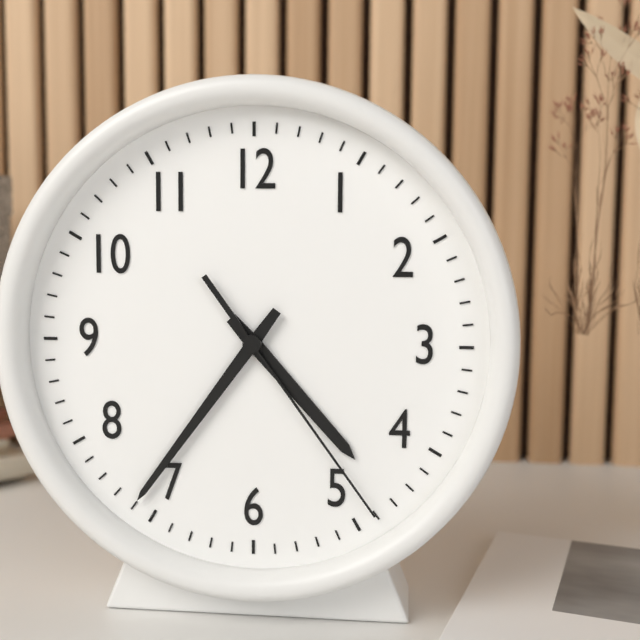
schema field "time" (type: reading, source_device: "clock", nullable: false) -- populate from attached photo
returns 4:36:24
